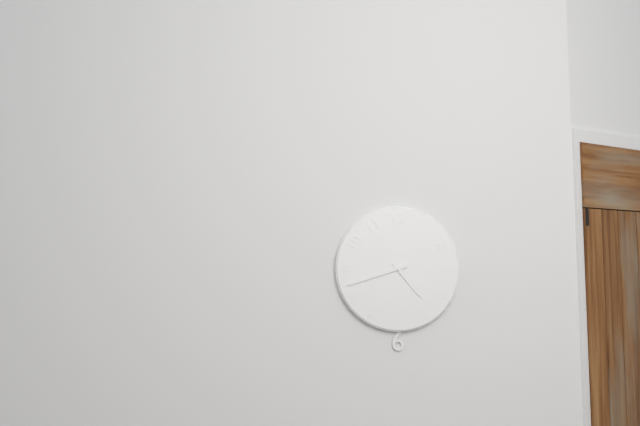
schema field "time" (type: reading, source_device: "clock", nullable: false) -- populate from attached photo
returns 4:42
